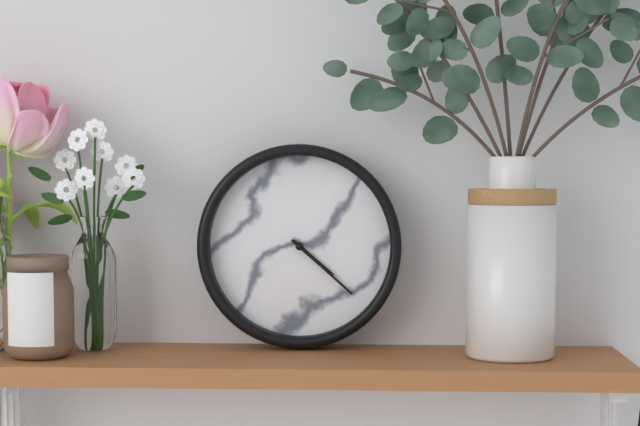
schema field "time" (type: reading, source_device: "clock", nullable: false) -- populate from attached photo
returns 4:22
